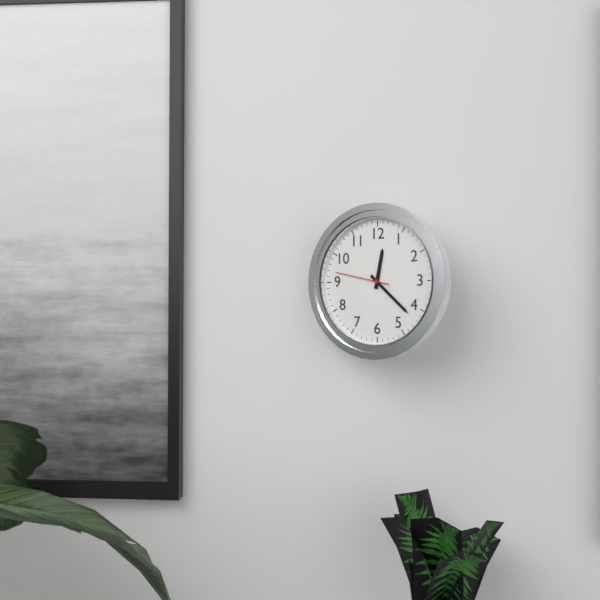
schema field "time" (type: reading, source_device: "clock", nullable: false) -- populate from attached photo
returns 12:22:47
